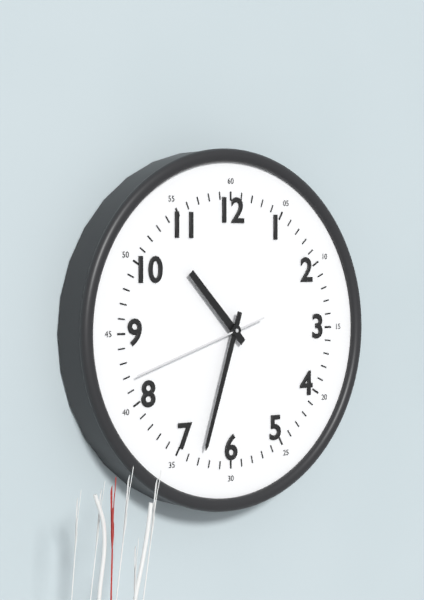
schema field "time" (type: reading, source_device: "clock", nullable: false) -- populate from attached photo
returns 10:33:42
